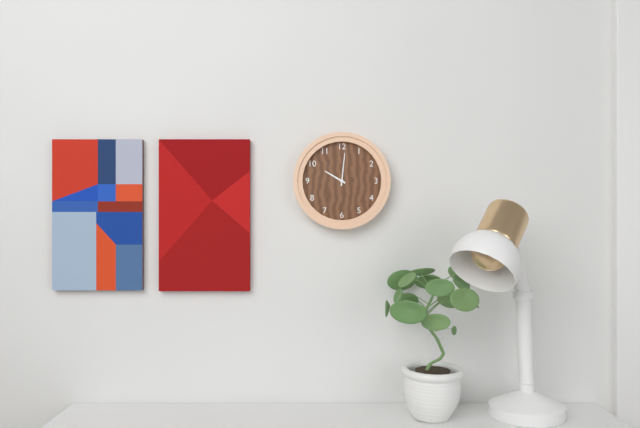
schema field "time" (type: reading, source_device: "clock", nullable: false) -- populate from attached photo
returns 10:01
